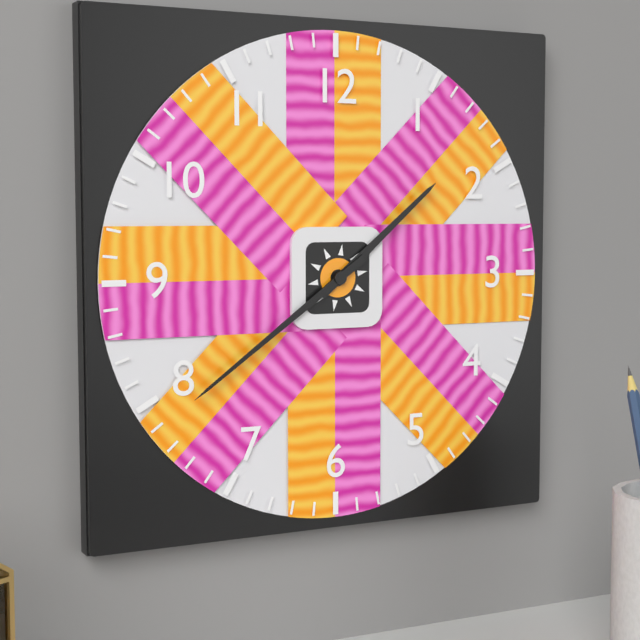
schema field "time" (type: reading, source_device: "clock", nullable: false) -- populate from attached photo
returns 1:39
